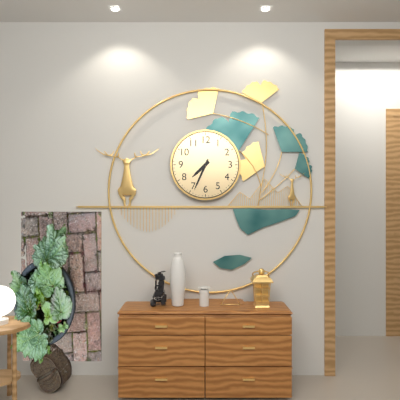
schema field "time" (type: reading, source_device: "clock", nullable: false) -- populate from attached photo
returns 7:34
